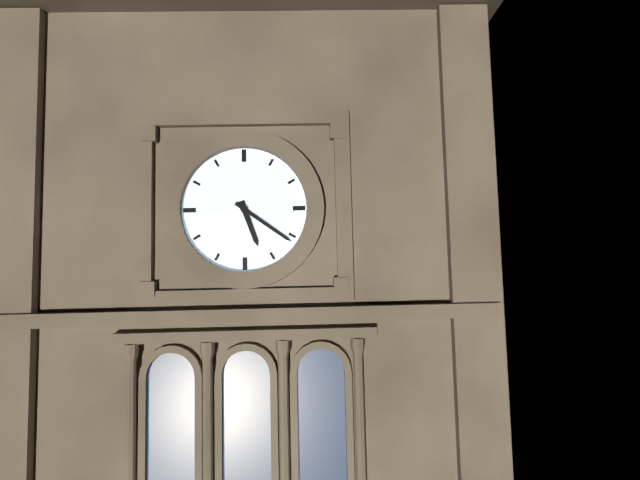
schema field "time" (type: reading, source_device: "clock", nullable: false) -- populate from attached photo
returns 5:21
